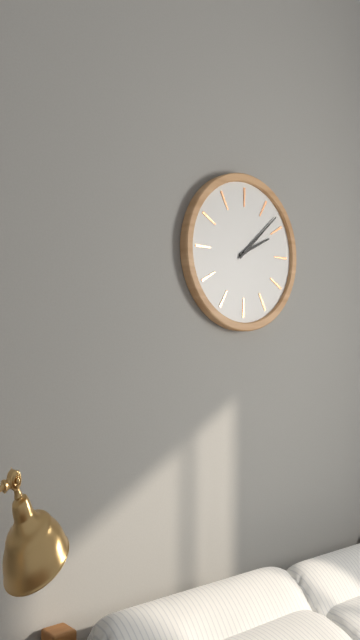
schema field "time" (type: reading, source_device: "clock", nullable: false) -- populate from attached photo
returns 2:08
